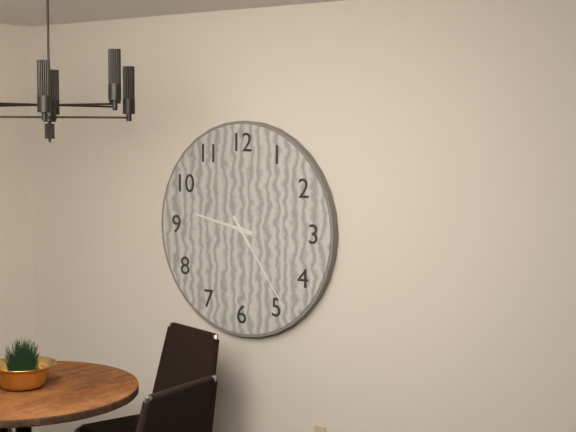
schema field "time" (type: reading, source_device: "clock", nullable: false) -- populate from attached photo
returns 9:24
